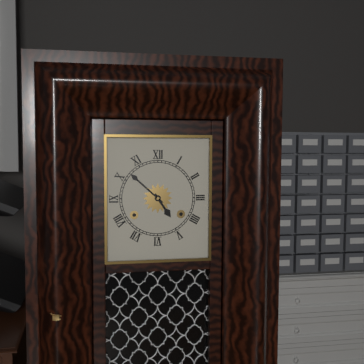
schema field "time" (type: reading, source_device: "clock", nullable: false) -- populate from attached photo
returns 4:52
